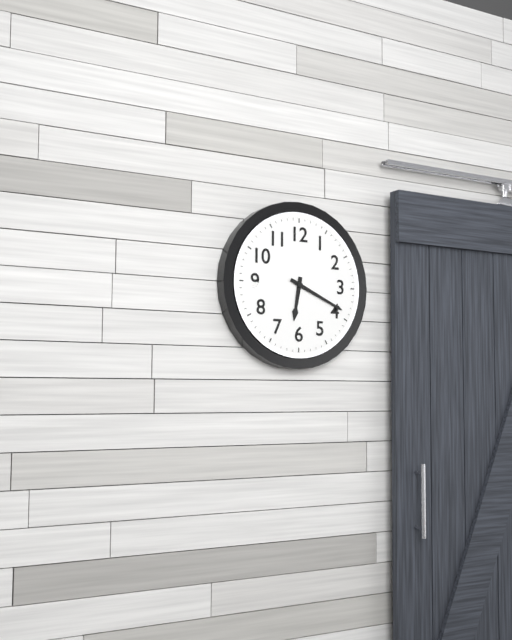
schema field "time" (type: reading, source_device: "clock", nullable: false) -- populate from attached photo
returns 6:19
